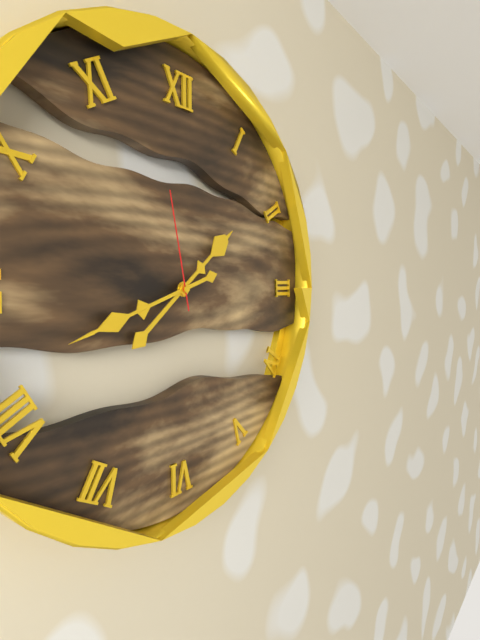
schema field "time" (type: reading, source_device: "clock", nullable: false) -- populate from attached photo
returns 1:42:58
